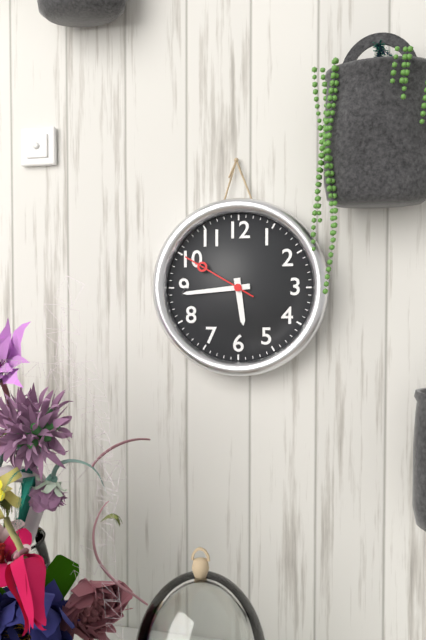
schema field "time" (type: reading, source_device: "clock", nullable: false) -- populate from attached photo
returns 5:44:50
